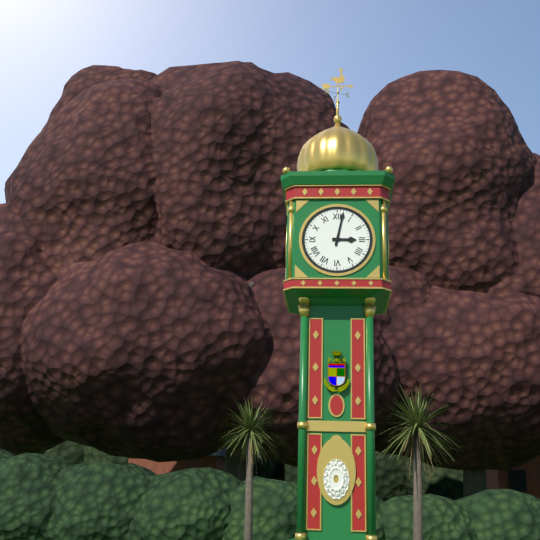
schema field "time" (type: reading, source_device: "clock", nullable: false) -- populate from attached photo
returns 3:02
